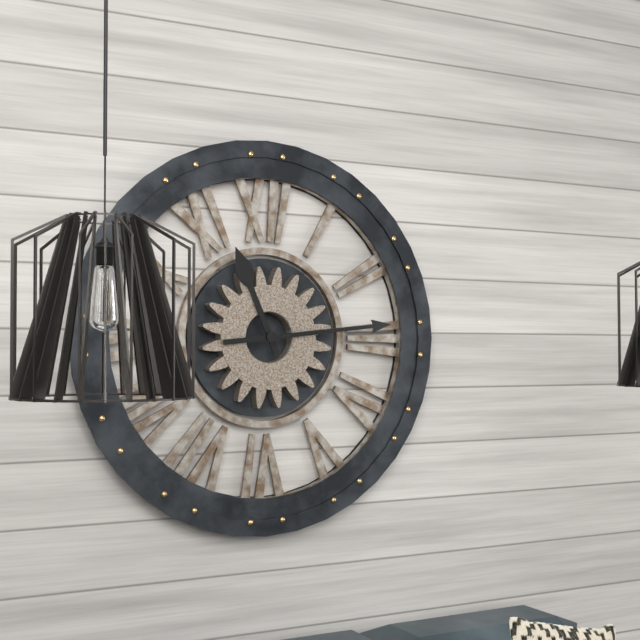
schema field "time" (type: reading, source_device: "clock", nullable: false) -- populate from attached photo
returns 11:14
